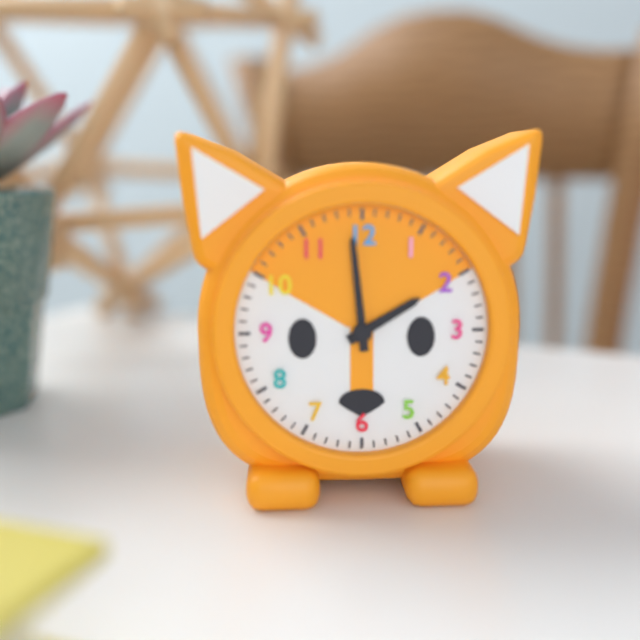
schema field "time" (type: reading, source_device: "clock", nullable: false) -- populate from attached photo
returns 1:59
